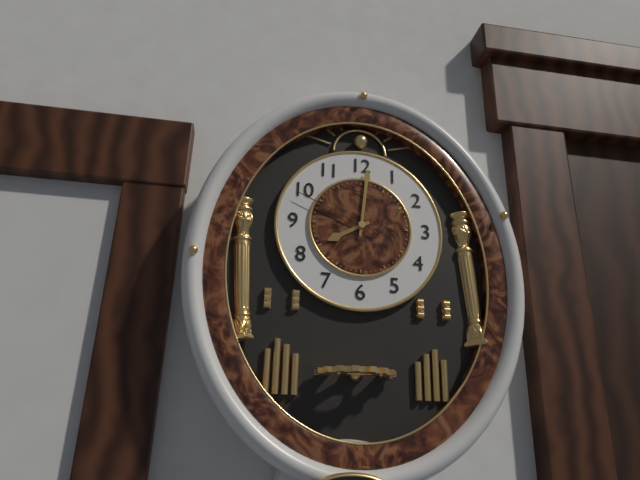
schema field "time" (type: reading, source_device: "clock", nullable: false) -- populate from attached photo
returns 8:01:49
